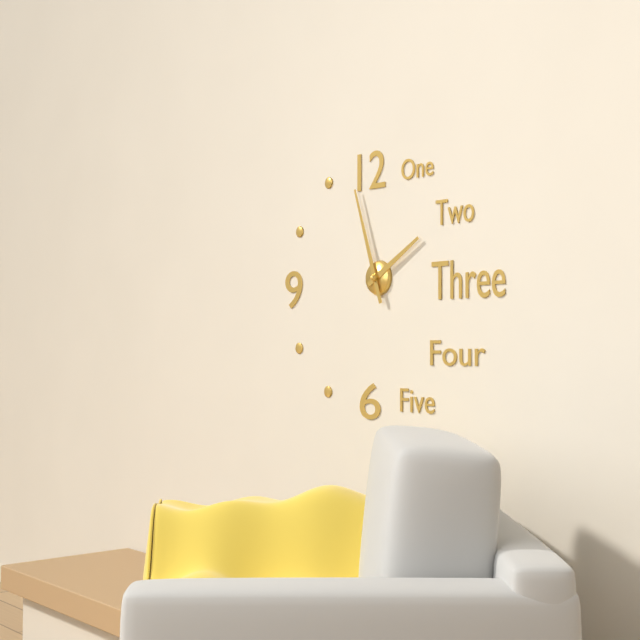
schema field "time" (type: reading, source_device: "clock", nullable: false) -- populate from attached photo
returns 1:57
